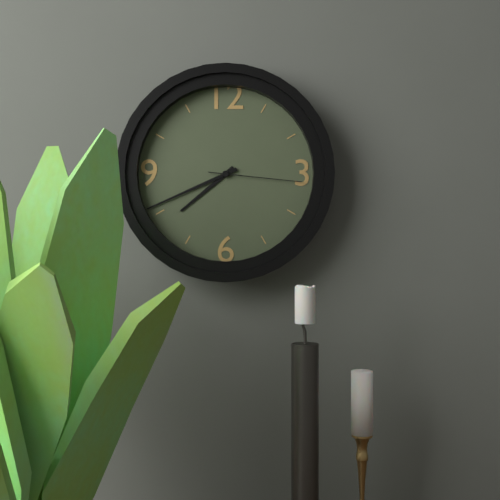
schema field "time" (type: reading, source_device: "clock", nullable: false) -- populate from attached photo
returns 7:41:16
